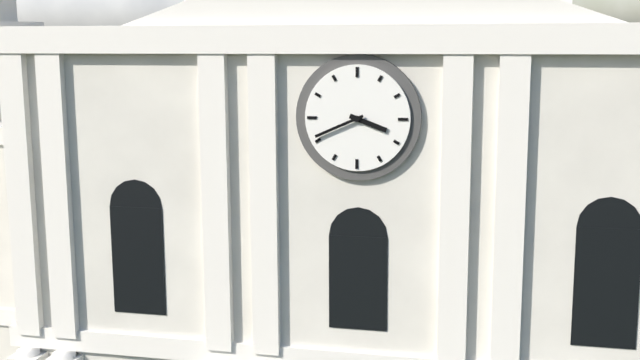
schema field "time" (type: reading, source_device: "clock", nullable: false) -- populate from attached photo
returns 3:41
